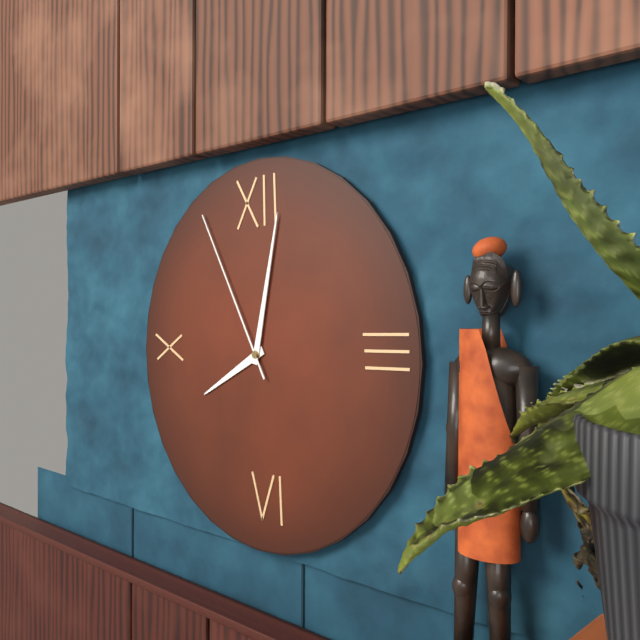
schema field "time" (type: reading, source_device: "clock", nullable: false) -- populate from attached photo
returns 8:02:55
